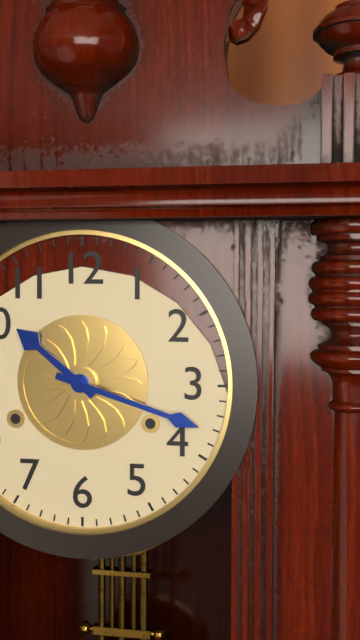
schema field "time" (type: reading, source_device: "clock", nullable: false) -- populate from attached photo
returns 10:18
